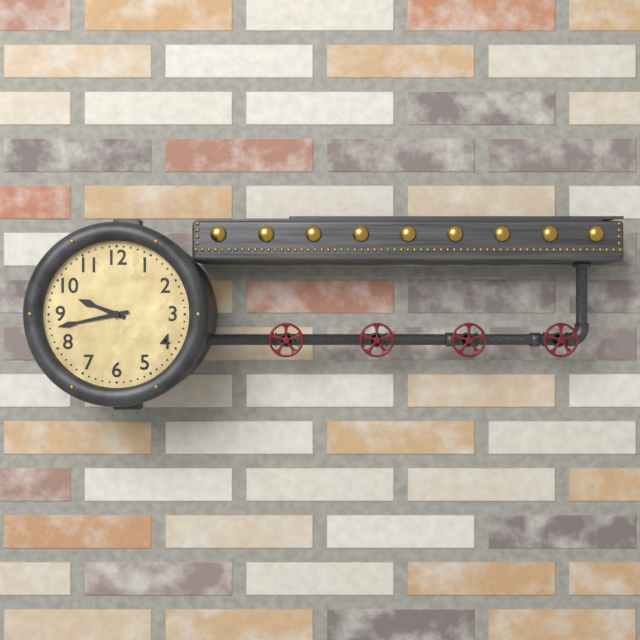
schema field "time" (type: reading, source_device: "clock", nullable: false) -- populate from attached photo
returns 9:43
